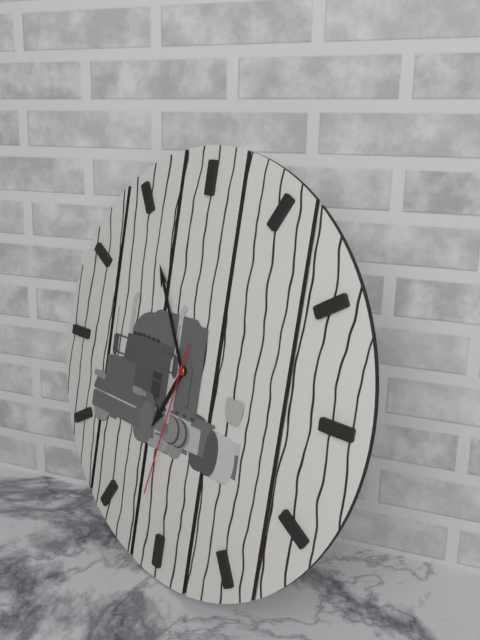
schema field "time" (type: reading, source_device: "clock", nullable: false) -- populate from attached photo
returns 6:55:32
